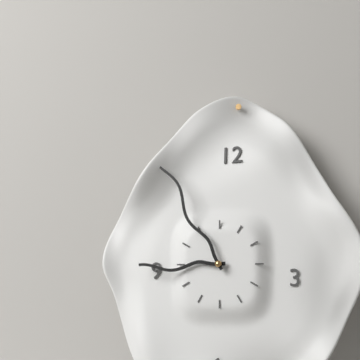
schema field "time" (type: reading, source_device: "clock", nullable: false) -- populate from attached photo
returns 8:55
